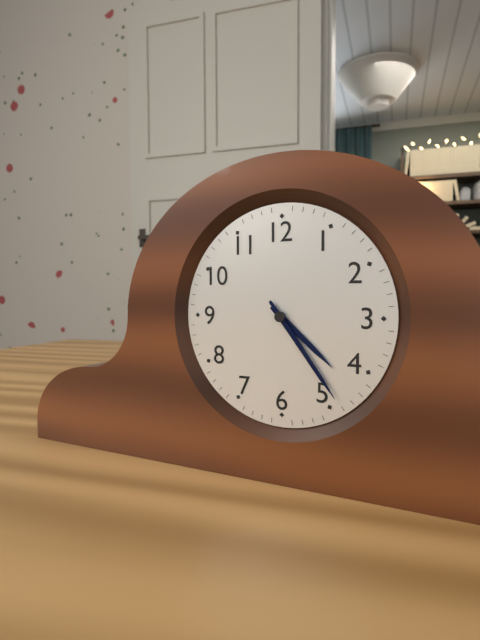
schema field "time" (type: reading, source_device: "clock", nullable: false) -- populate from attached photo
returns 4:24
